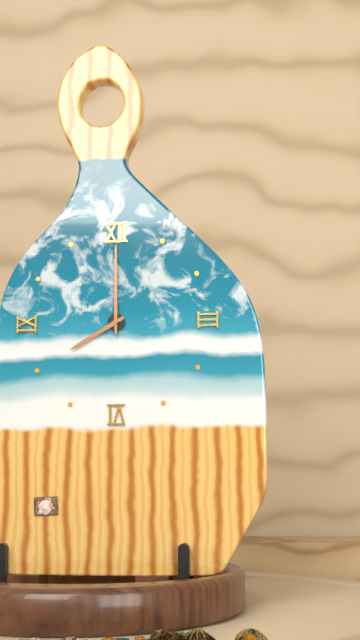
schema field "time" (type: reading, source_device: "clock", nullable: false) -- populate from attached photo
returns 8:00
